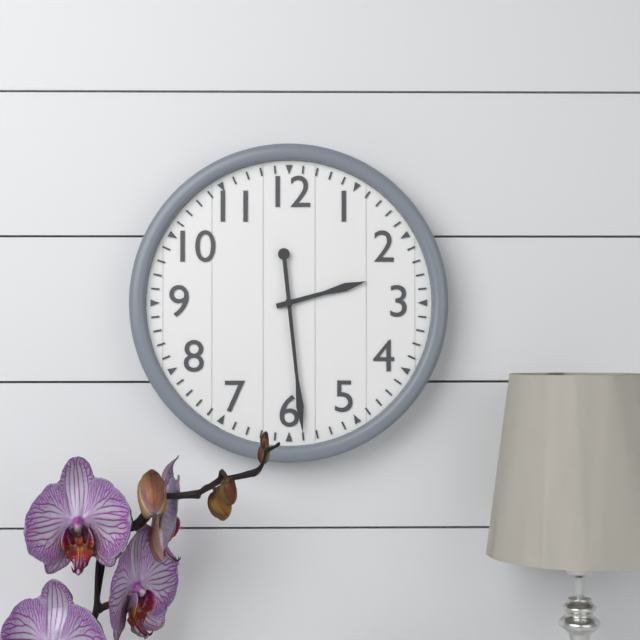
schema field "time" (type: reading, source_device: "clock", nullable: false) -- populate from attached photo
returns 2:29
